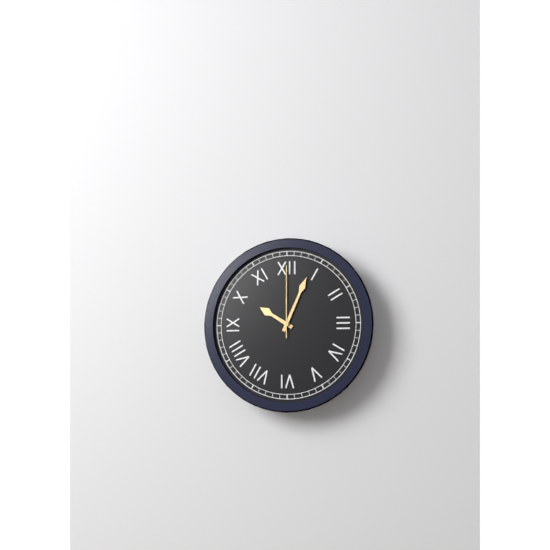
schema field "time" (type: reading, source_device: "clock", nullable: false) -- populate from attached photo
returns 10:04:00
